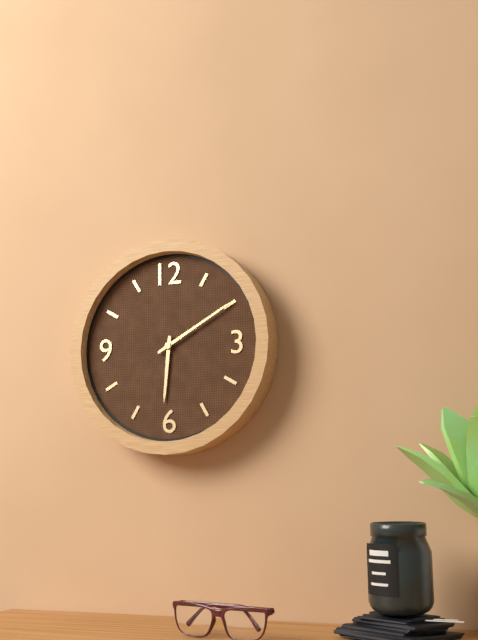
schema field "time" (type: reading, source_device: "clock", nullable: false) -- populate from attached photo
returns 6:10
